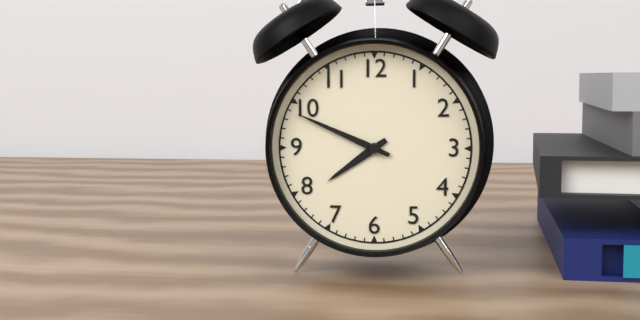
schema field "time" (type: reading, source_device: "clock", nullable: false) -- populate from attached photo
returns 7:49
